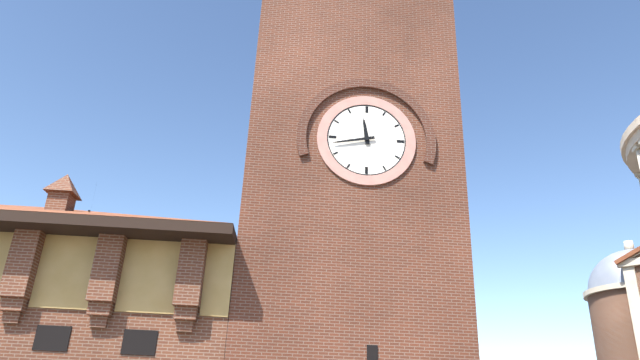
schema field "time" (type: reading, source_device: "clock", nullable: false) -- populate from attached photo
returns 11:43
